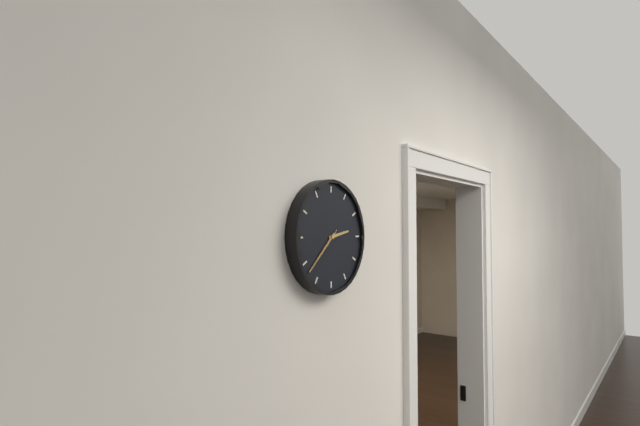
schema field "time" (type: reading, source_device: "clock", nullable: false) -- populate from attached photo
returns 2:38
